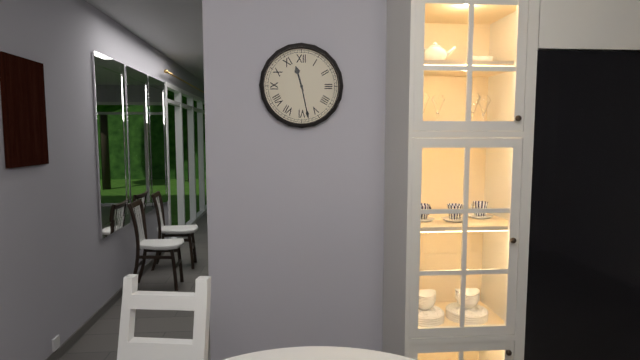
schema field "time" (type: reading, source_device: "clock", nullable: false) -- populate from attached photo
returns 11:28
